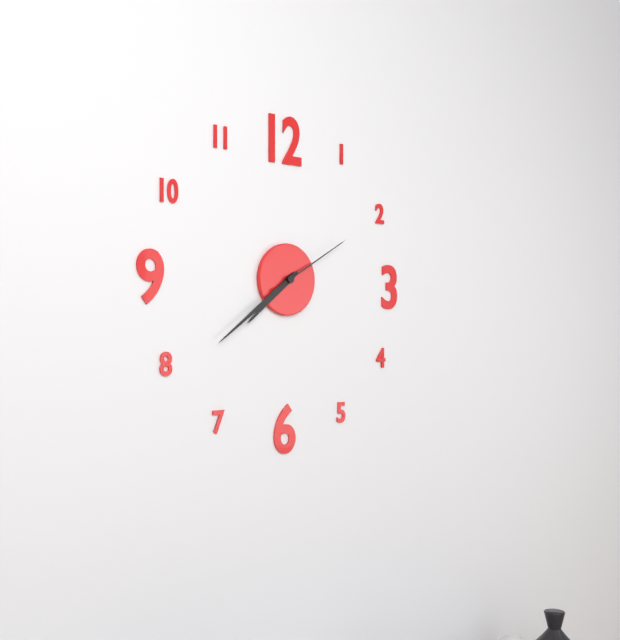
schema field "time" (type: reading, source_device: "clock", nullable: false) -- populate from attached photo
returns 7:39:10
